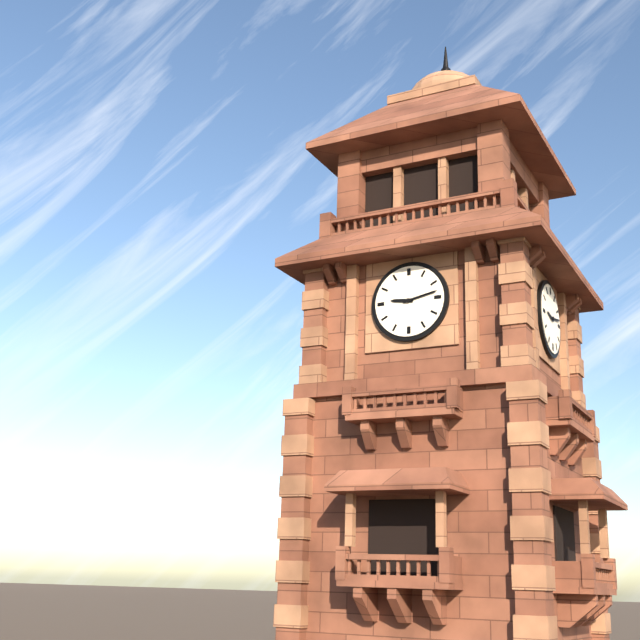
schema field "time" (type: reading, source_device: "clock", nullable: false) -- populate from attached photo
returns 9:13
